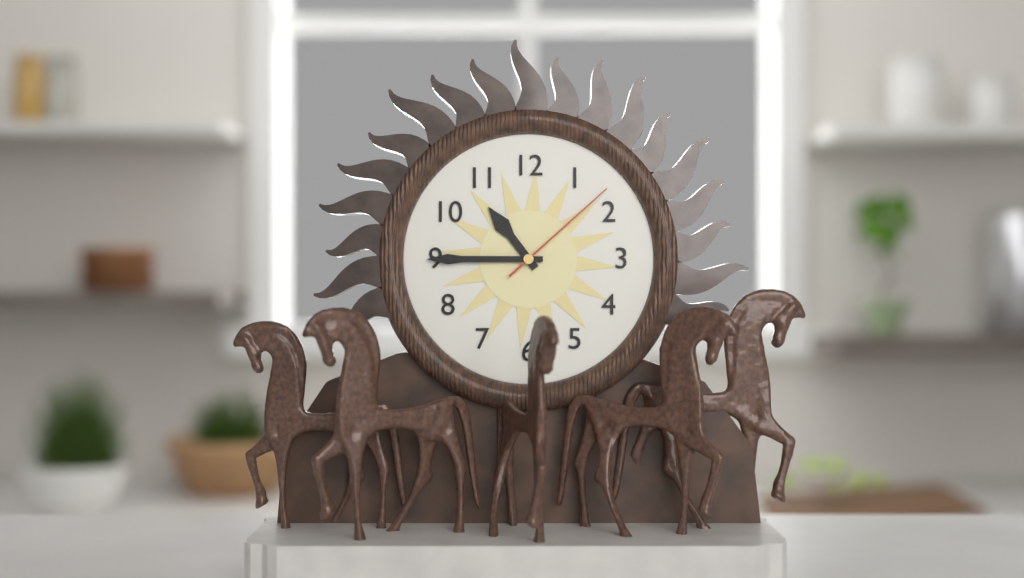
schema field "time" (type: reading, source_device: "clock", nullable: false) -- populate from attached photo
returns 10:45:08
